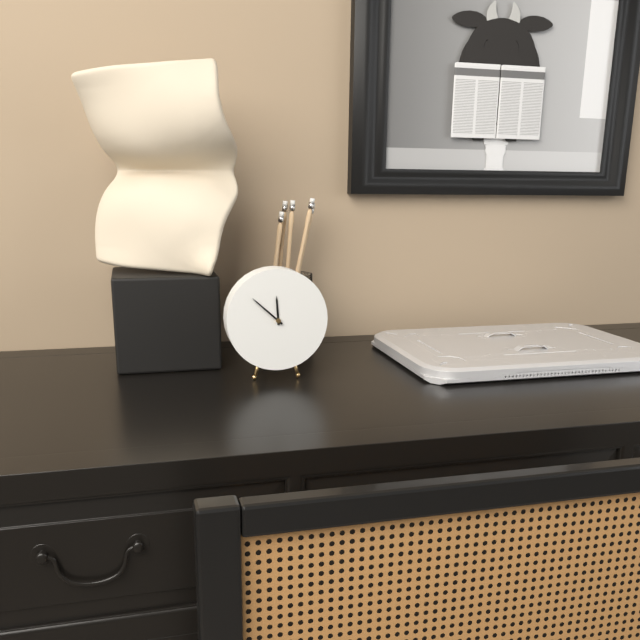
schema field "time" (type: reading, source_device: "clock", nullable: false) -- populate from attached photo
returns 11:52
